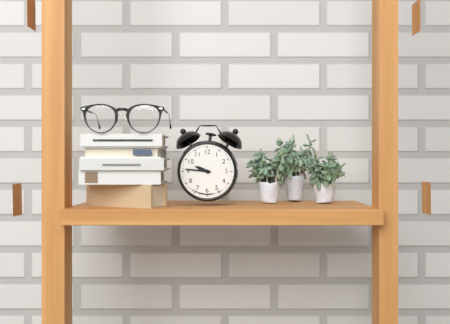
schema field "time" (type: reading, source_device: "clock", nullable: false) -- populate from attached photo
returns 9:46
